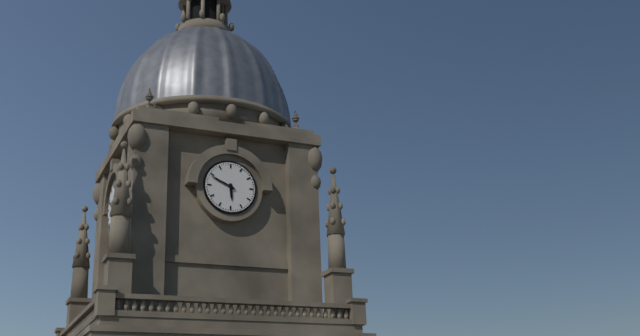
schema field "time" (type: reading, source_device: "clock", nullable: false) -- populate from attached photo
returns 5:49
